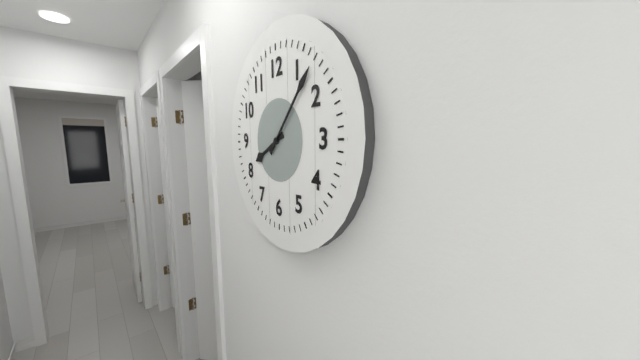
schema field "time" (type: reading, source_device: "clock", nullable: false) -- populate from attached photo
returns 8:07
